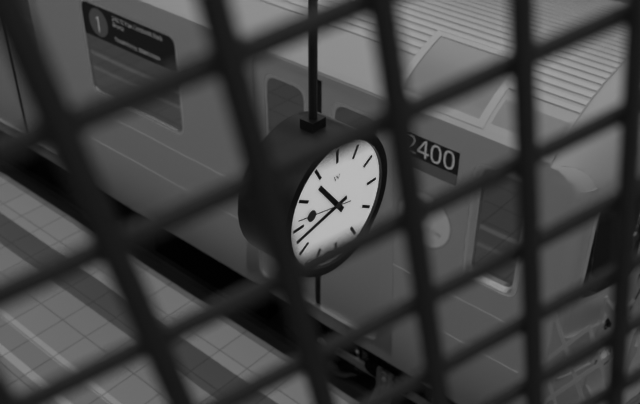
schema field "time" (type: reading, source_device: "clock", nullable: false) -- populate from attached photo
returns 10:43
